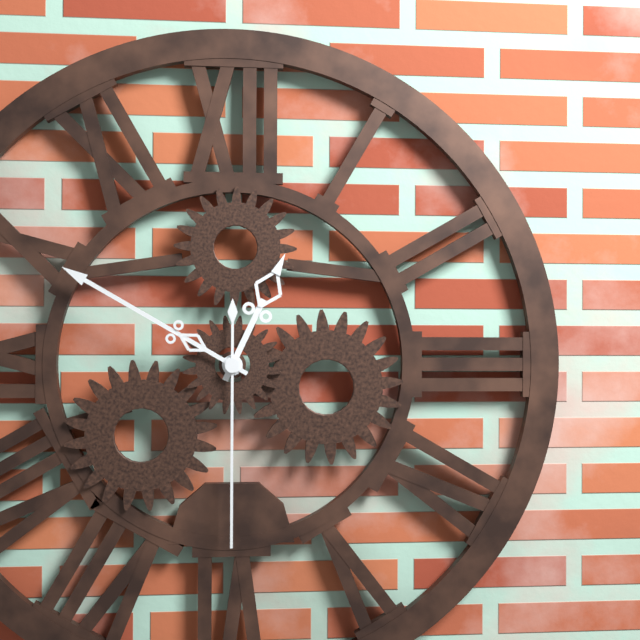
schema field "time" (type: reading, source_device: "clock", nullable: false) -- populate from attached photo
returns 12:50:30
